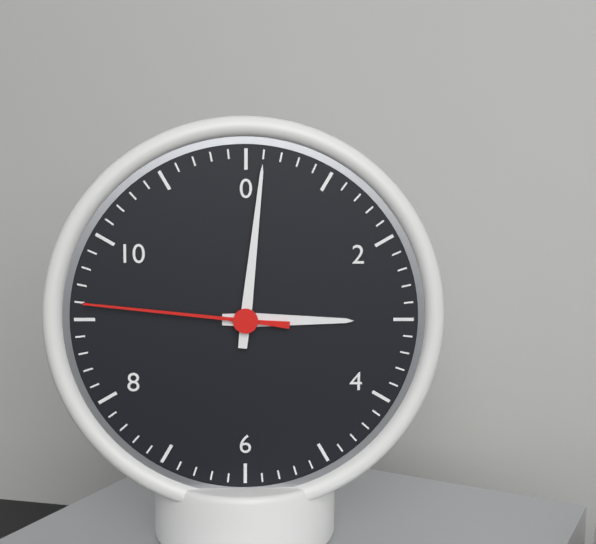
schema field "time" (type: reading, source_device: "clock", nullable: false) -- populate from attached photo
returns 3:01:46
